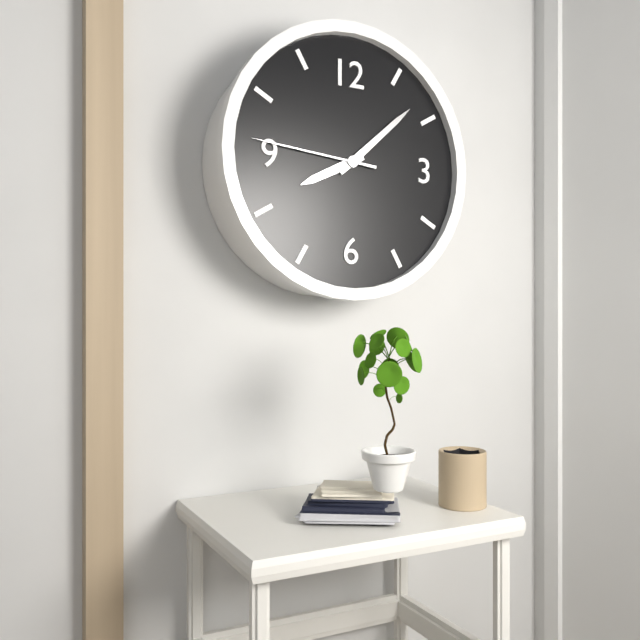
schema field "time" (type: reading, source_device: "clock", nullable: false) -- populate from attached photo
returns 8:08:46
